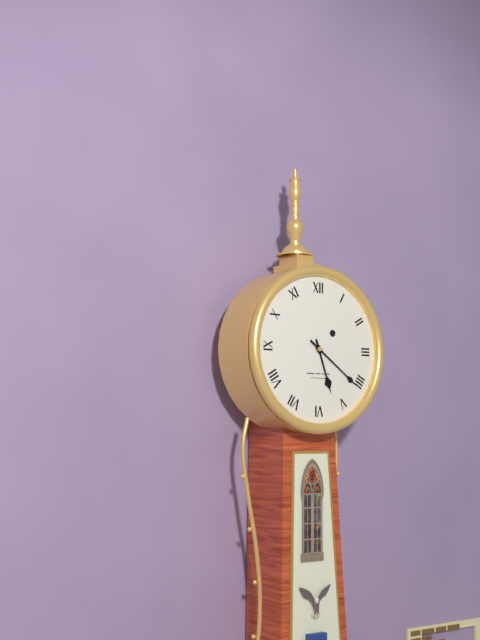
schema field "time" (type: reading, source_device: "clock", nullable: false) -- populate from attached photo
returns 5:21
